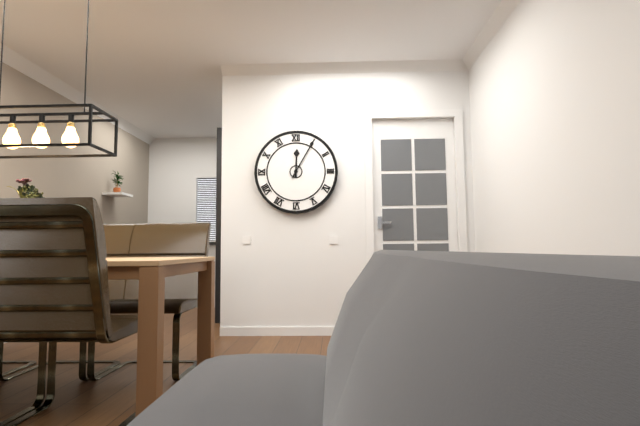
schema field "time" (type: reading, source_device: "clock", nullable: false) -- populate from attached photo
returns 12:05
